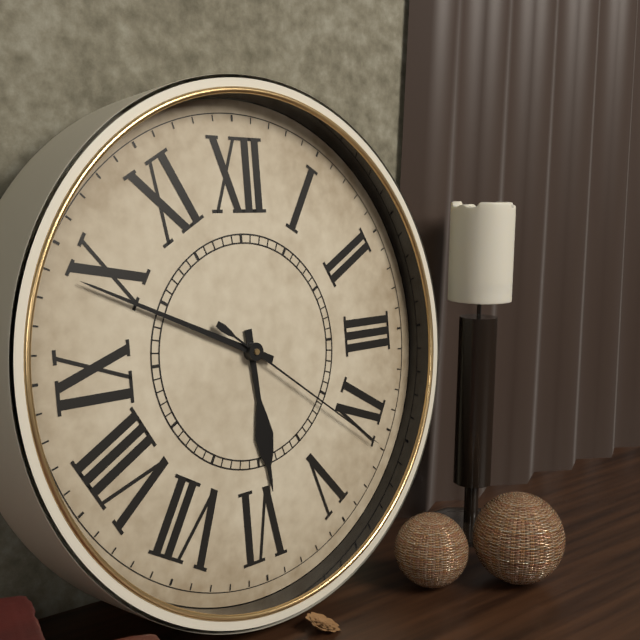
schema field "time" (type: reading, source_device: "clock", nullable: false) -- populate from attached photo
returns 5:49:21
